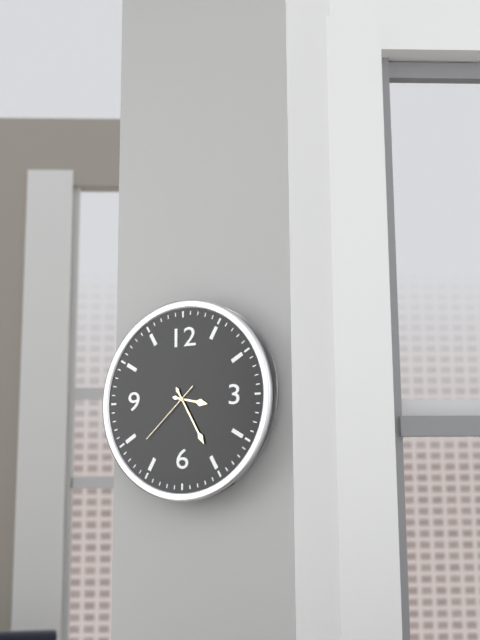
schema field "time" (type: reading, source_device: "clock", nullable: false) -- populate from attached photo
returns 3:25:38
